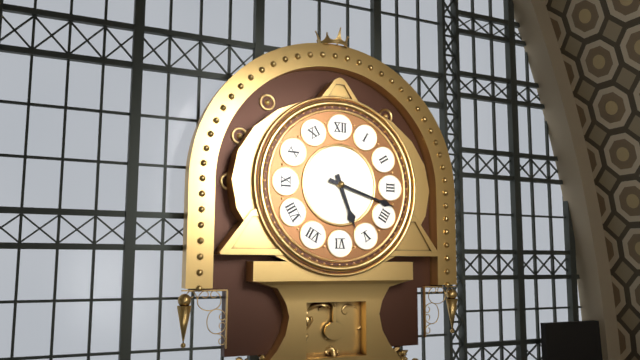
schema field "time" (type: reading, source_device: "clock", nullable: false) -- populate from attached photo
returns 5:18
